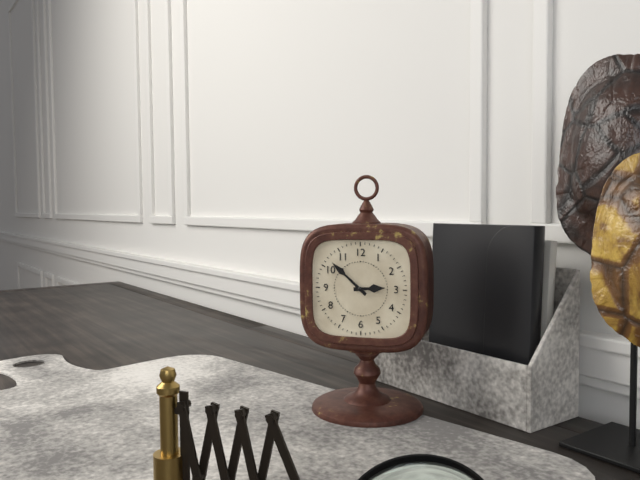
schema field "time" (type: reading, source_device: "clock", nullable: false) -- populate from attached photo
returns 2:52
